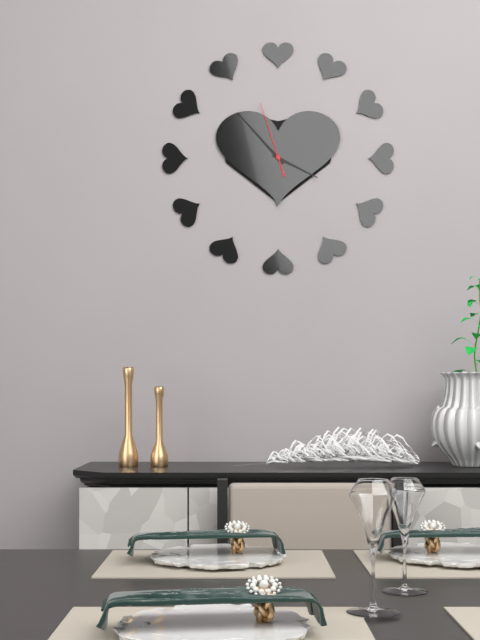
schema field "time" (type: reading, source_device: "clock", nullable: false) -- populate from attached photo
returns 3:53:57
